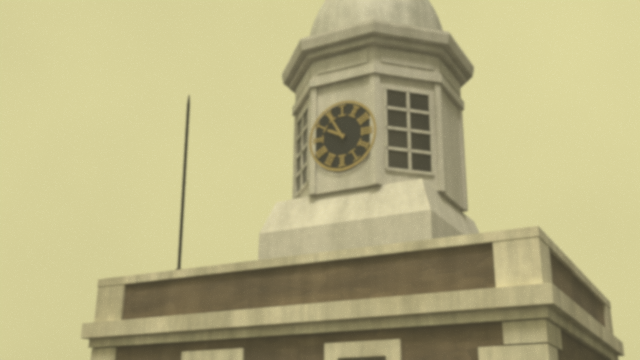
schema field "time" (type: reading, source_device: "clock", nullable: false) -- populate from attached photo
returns 9:55
